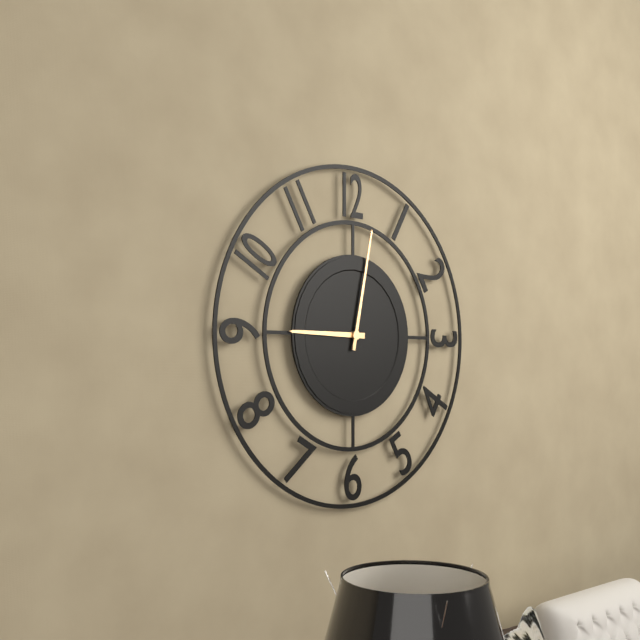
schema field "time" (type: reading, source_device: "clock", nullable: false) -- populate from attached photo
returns 9:02
